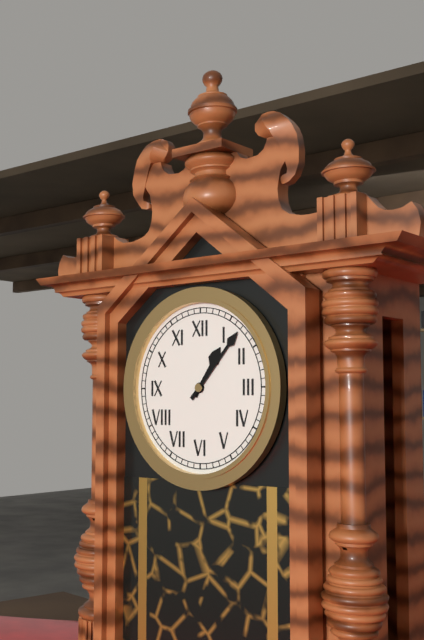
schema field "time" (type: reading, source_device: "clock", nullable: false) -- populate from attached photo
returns 1:07
